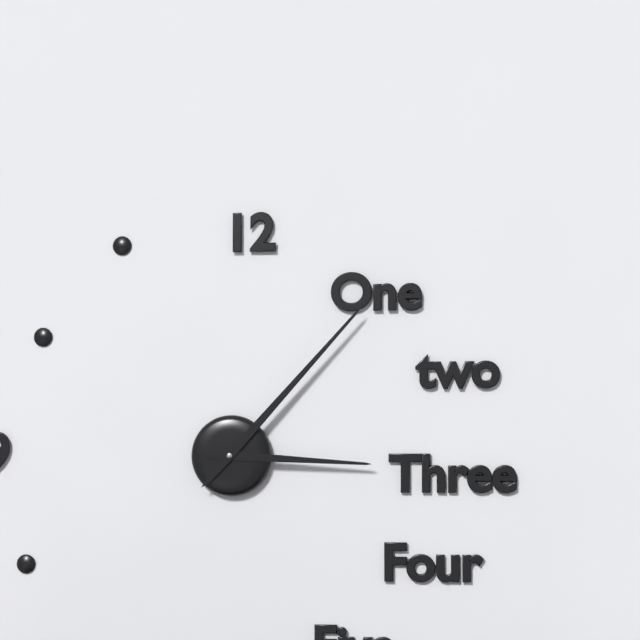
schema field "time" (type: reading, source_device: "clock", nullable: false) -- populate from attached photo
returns 3:07
